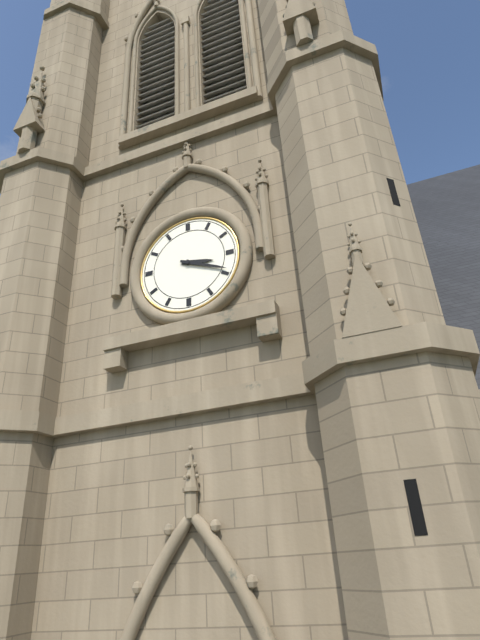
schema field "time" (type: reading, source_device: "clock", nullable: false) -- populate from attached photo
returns 3:19
